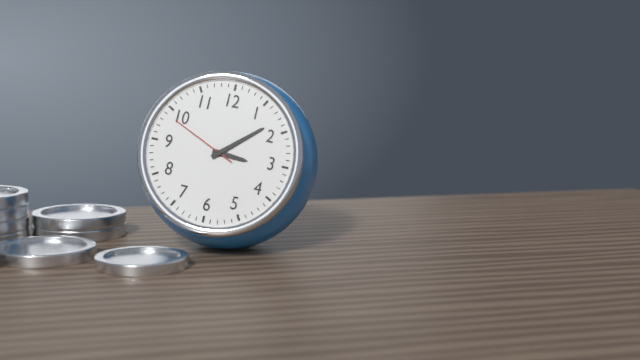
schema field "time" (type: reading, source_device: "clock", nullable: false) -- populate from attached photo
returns 3:08:49
